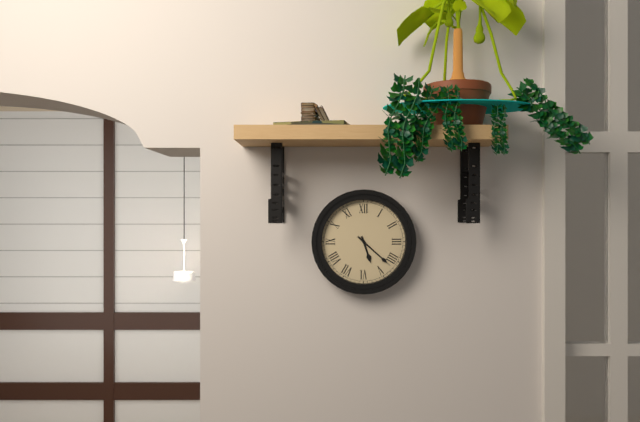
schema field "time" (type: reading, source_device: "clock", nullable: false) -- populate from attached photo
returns 5:22
